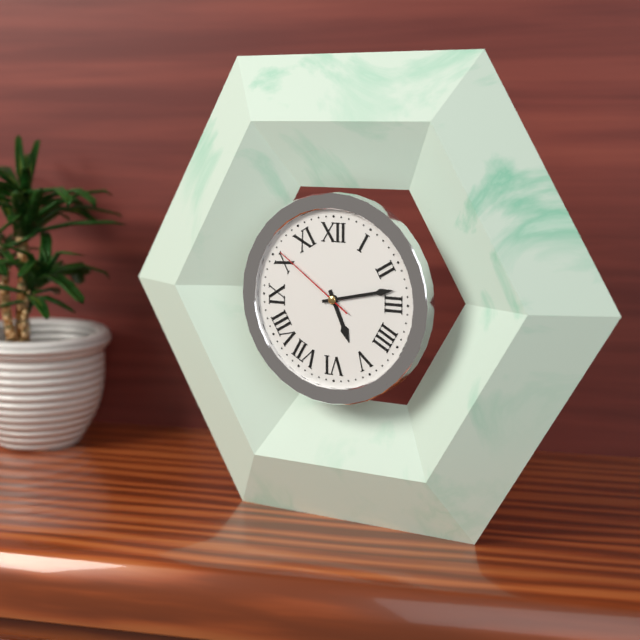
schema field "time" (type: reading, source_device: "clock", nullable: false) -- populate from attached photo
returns 5:13:51
